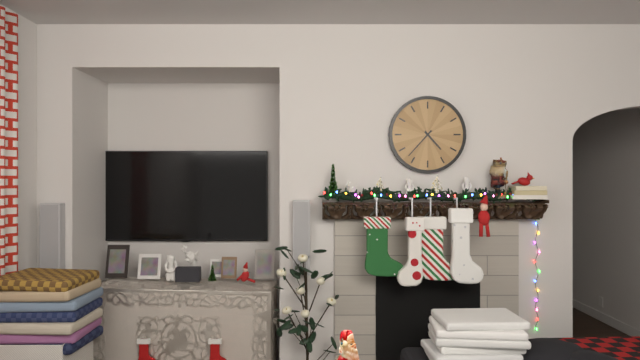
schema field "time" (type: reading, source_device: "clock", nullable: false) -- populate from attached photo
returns 4:37
